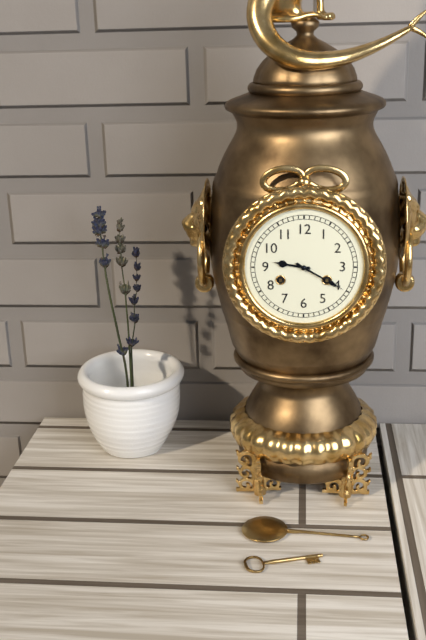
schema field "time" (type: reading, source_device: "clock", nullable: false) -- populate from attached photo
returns 9:20
